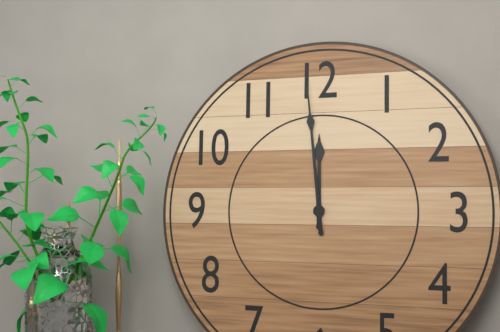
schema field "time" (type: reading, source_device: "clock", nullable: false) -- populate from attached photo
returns 11:59
